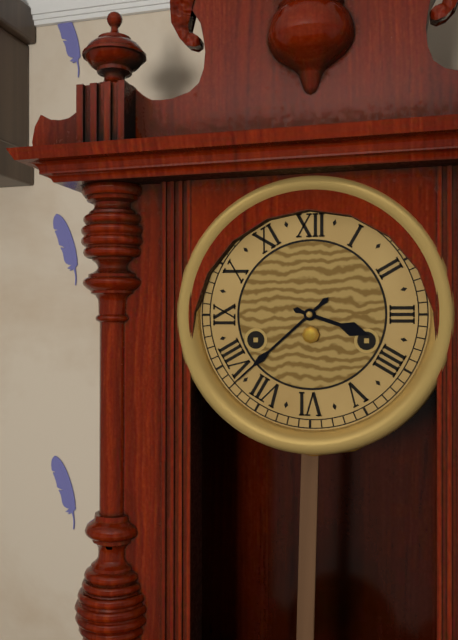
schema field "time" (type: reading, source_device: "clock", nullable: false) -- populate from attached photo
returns 3:38
